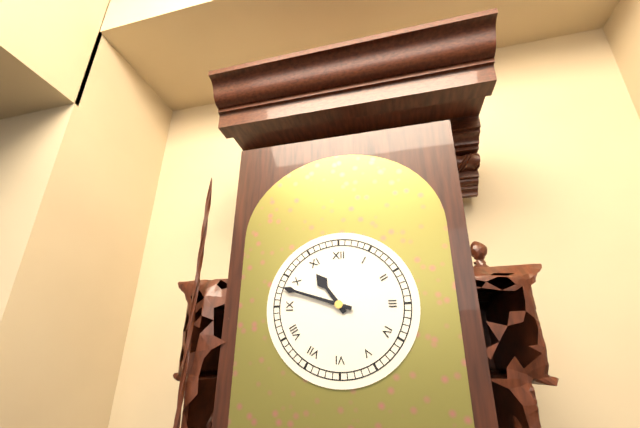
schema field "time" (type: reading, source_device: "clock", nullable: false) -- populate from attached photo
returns 10:48
